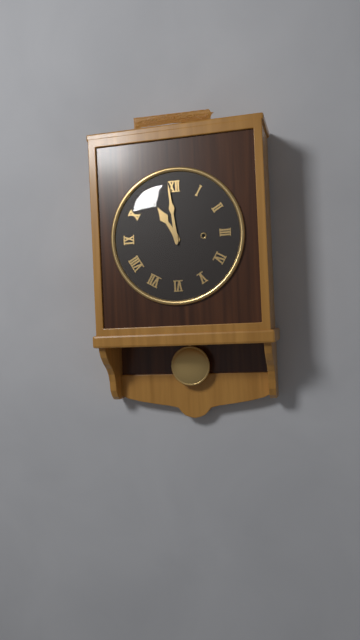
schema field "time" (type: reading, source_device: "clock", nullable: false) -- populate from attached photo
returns 10:59
